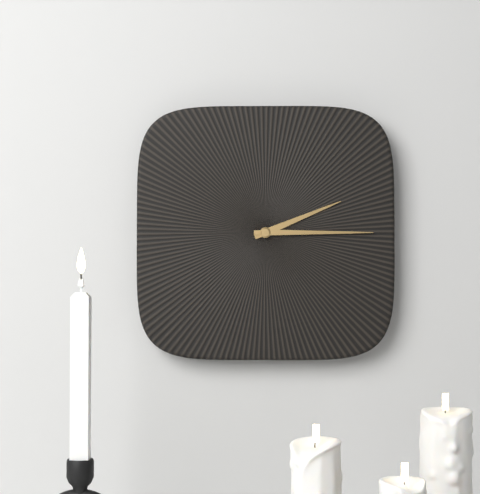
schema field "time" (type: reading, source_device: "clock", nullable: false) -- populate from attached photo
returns 2:15
